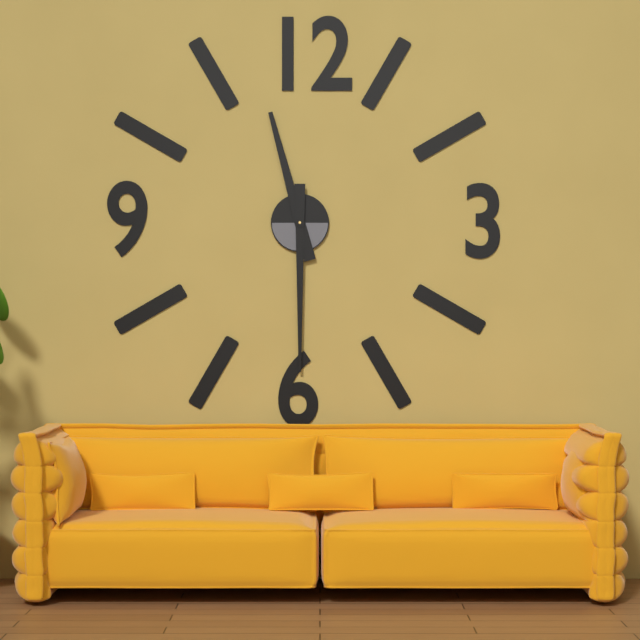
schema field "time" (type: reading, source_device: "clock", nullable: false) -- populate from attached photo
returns 11:30
